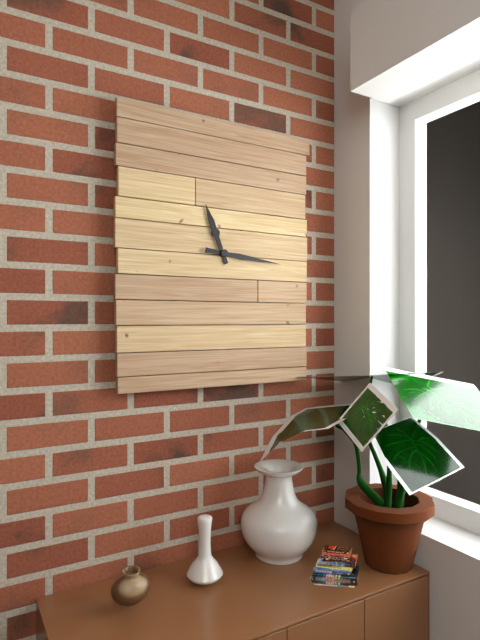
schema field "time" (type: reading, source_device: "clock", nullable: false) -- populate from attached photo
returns 11:16
